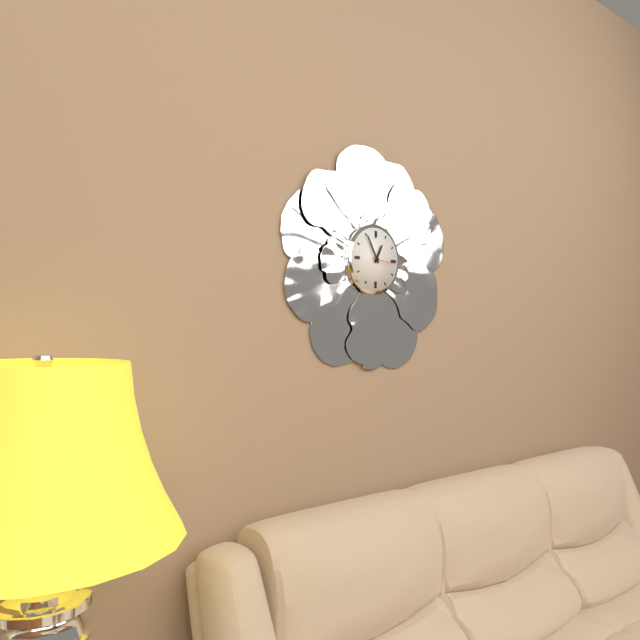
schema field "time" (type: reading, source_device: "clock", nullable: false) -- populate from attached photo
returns 12:55
